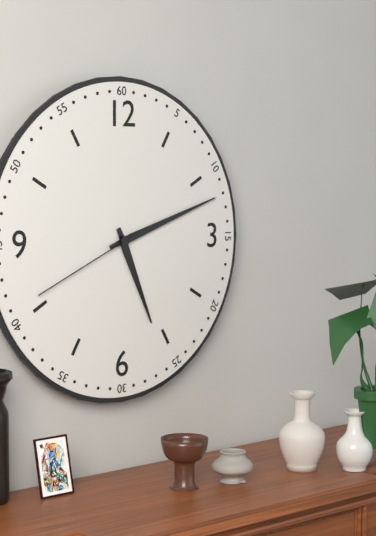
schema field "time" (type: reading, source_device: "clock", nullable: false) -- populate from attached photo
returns 5:12:41
